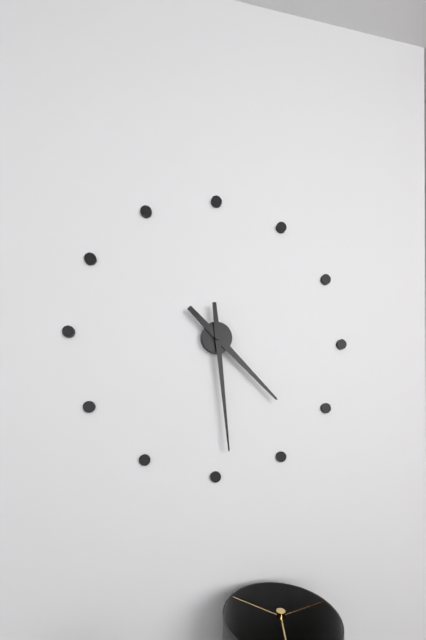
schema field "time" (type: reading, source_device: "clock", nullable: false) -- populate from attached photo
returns 4:29
